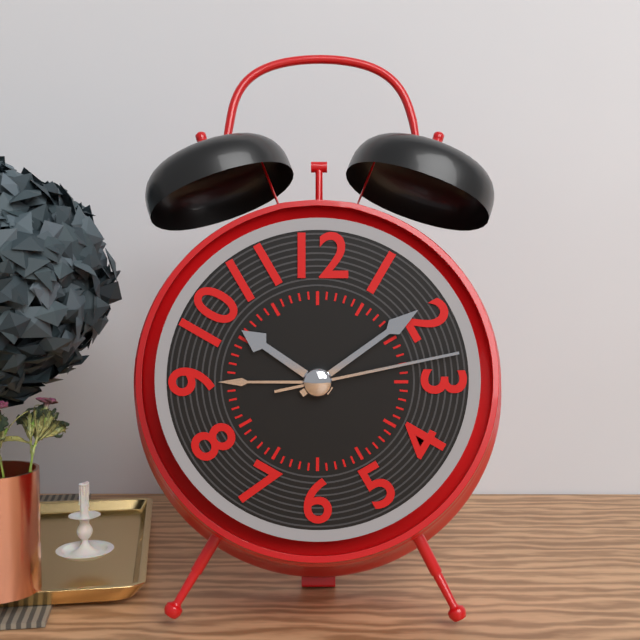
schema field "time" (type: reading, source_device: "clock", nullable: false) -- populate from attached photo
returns 10:09:13
